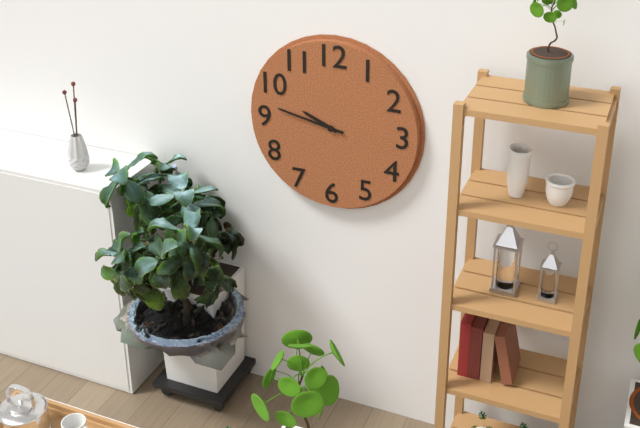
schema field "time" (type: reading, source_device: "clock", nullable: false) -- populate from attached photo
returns 9:47
